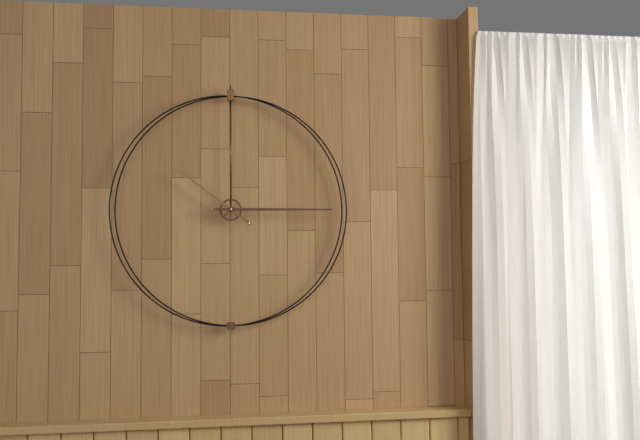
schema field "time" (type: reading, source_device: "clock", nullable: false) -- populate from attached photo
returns 10:15
